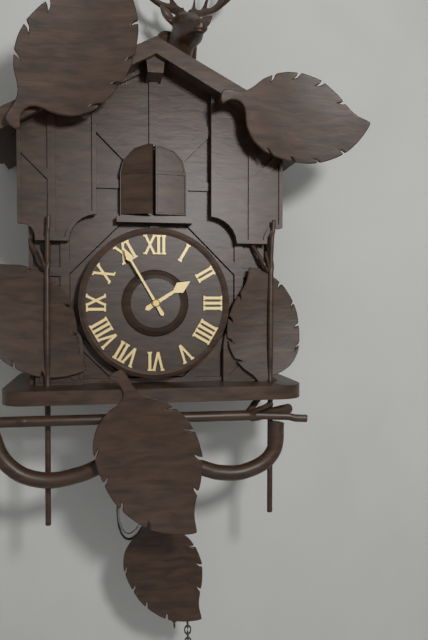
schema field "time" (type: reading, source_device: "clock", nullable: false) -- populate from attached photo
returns 1:55
